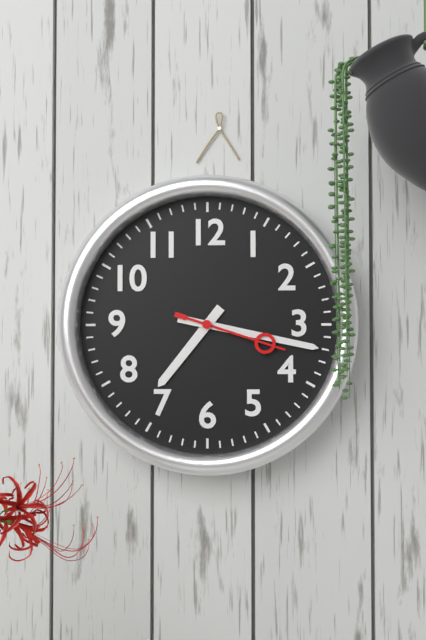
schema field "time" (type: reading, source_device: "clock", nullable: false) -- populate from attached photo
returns 7:17:18
